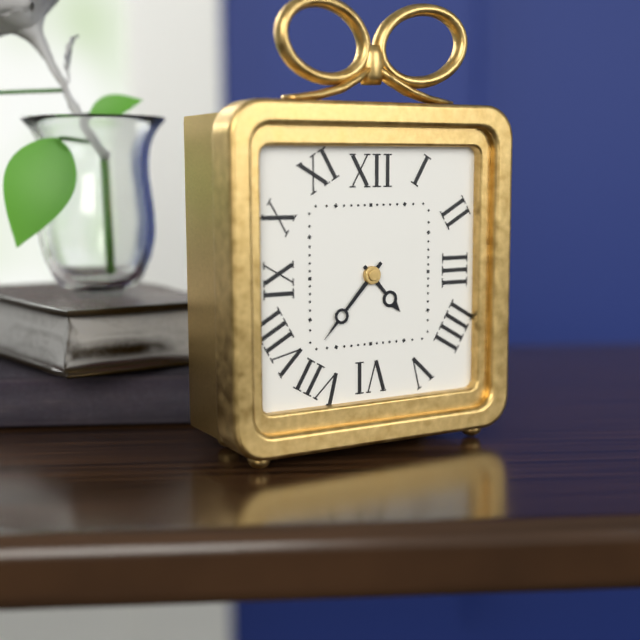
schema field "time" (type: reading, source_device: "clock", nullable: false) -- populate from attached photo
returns 4:37
